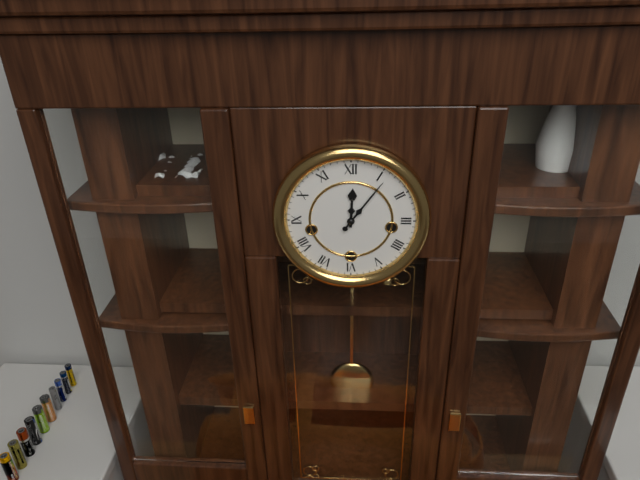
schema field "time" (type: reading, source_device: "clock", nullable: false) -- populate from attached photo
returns 12:06
